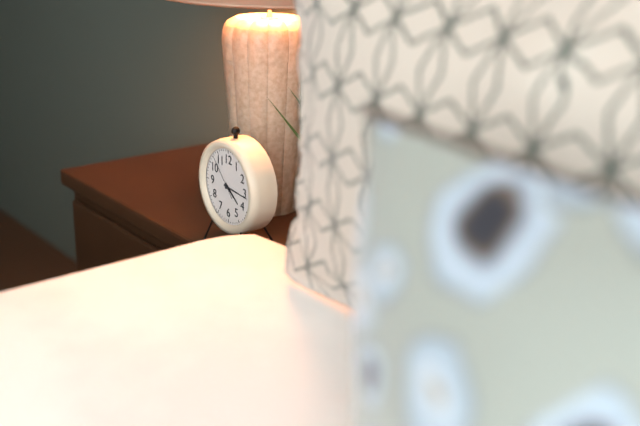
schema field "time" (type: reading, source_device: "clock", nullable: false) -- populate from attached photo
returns 4:16
